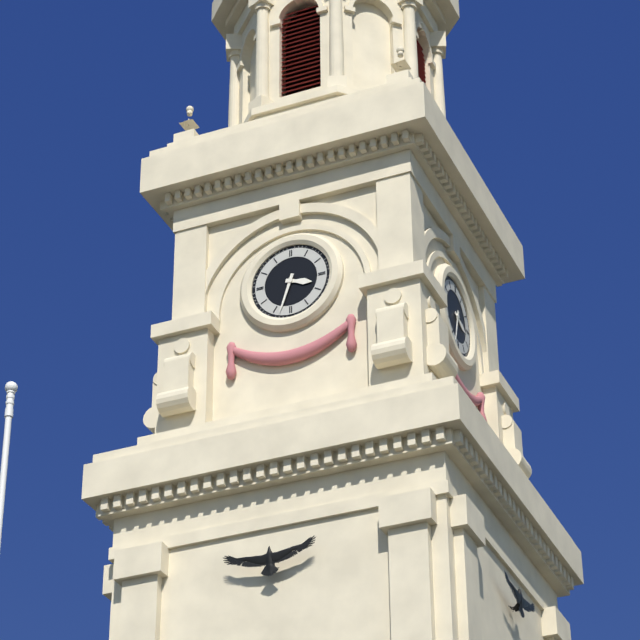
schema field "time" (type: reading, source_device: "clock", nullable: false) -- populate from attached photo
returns 3:33
